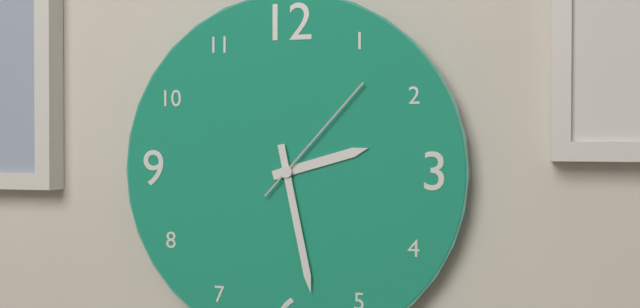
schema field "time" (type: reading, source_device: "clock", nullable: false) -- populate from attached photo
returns 2:28:07
